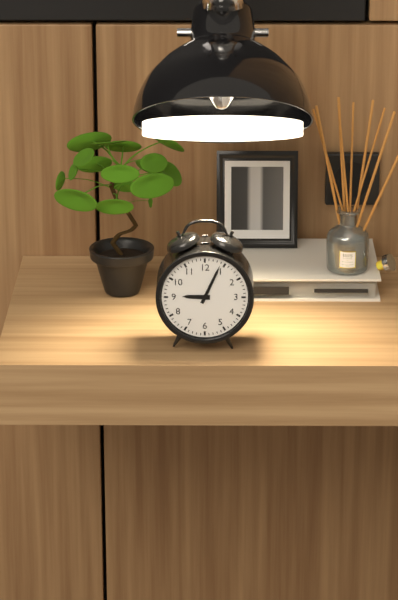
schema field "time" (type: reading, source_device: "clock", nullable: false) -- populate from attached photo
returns 9:04
